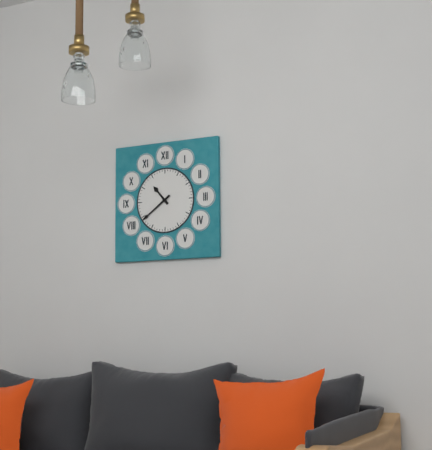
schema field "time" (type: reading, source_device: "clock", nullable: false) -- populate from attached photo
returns 10:39
